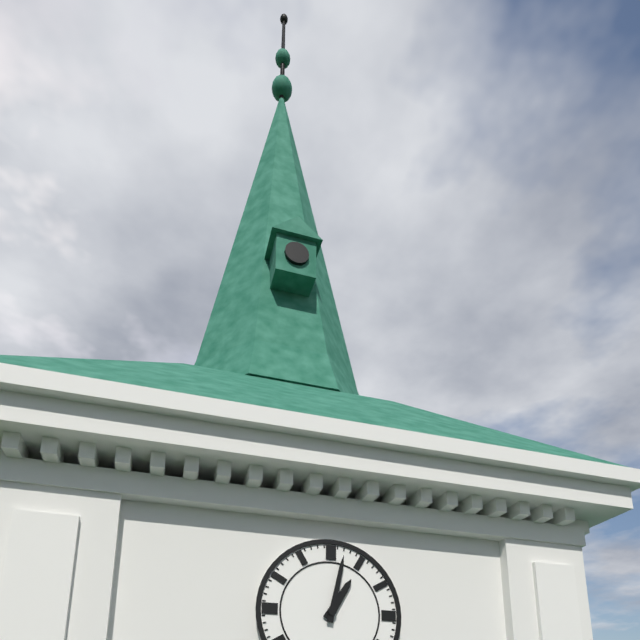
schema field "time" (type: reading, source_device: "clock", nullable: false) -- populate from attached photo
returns 1:02
